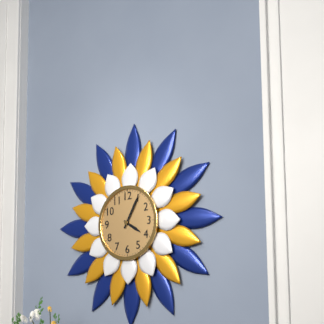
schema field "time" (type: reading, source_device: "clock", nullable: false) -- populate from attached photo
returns 4:05
